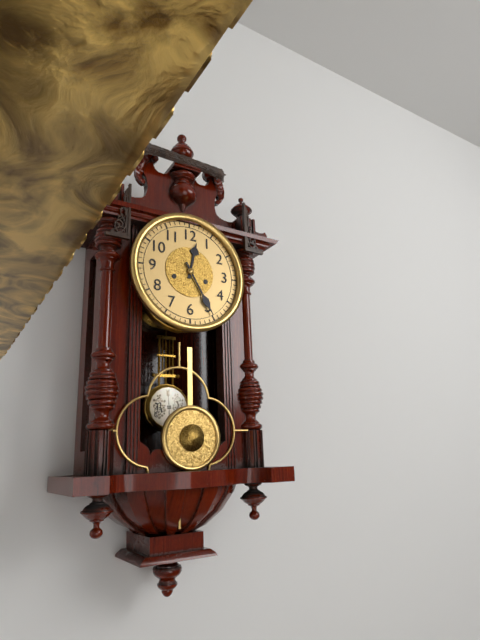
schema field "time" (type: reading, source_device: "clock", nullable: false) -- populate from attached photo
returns 12:25
